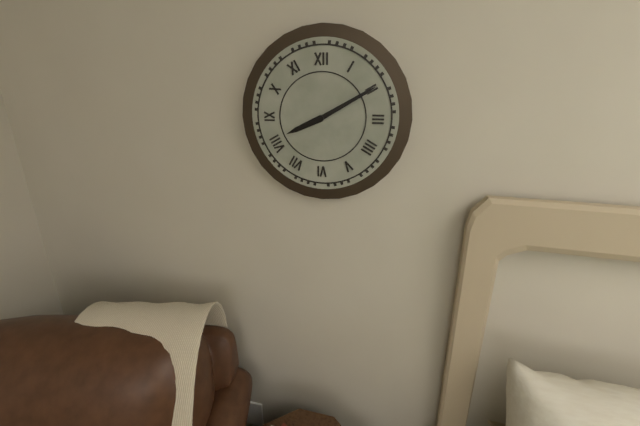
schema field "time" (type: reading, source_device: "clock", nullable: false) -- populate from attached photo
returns 8:10
